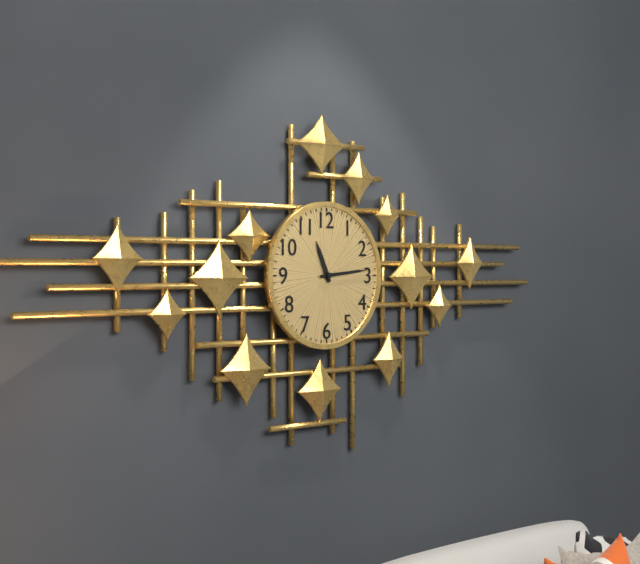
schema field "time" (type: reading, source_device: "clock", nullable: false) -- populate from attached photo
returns 11:14
